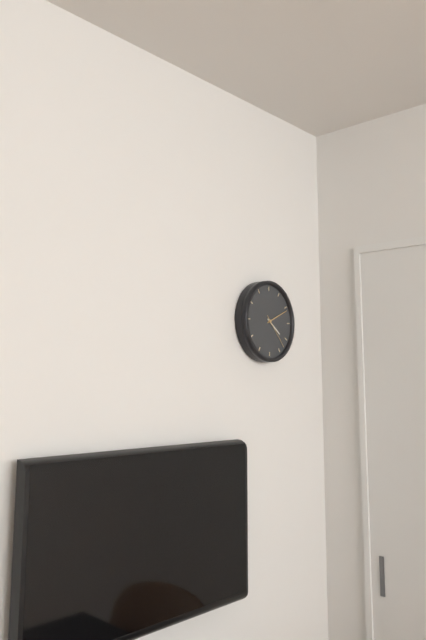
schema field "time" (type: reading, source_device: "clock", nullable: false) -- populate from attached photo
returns 4:11
